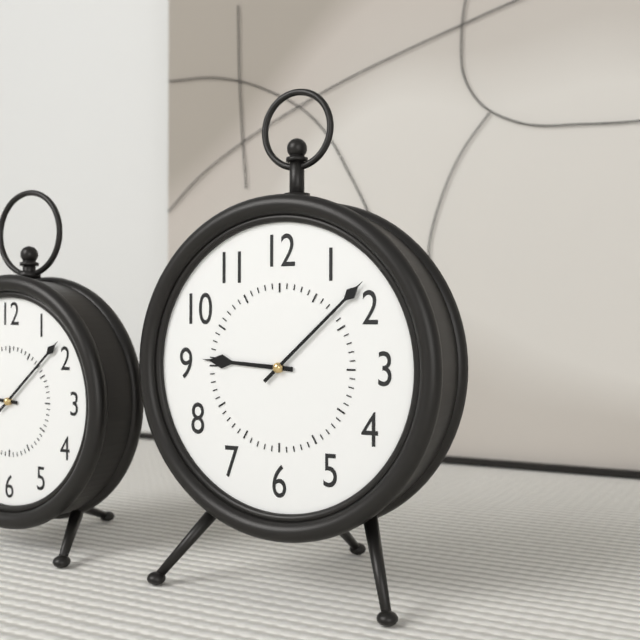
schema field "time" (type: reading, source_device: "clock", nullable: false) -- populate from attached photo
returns 9:08
